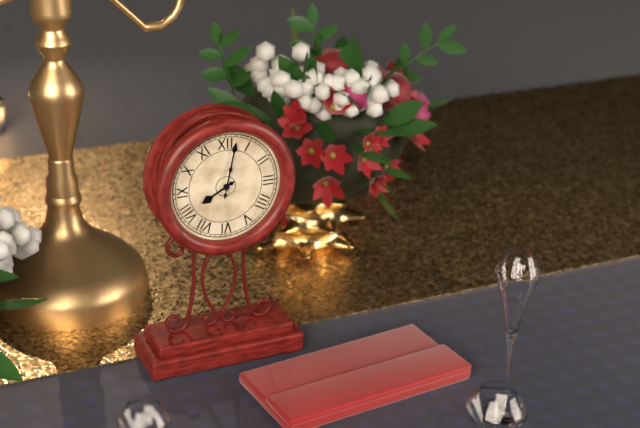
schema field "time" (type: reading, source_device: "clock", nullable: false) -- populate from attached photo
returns 8:02
